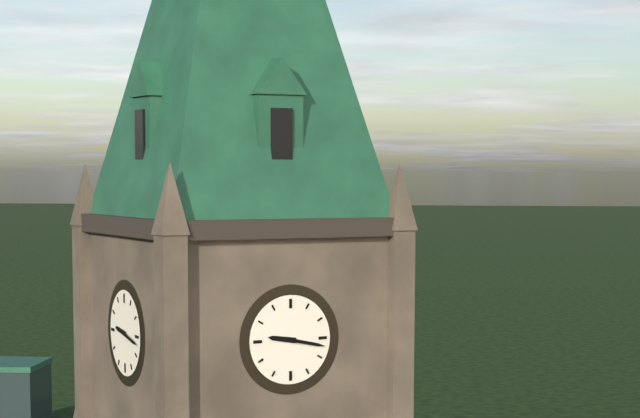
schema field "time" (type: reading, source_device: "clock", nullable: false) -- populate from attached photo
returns 9:17
